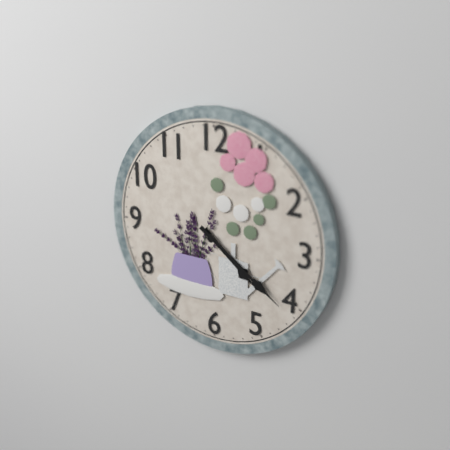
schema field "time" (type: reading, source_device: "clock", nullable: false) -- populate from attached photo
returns 4:21
